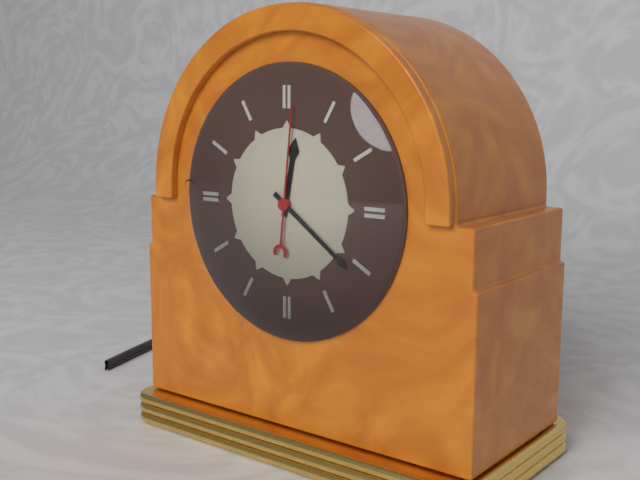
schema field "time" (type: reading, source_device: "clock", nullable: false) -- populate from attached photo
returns 12:21:01
